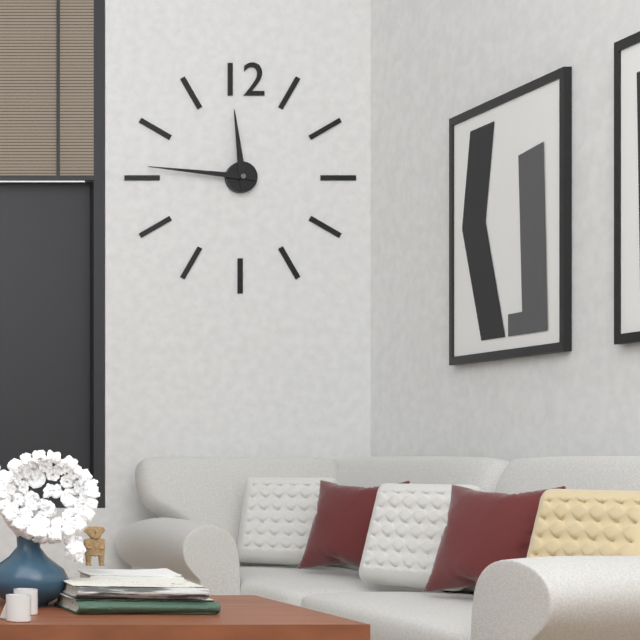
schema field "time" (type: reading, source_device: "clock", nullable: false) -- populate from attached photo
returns 11:46
